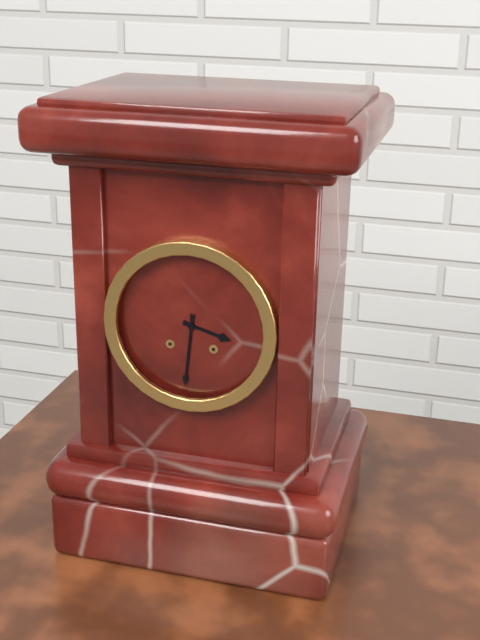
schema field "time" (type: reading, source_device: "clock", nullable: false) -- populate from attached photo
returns 3:31
